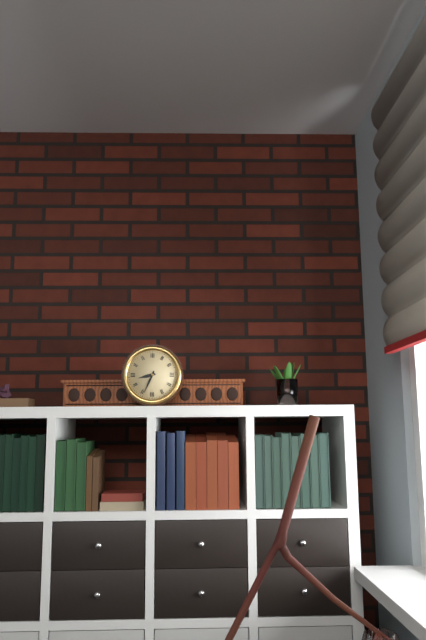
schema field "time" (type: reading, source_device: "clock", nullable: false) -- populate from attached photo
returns 8:34
